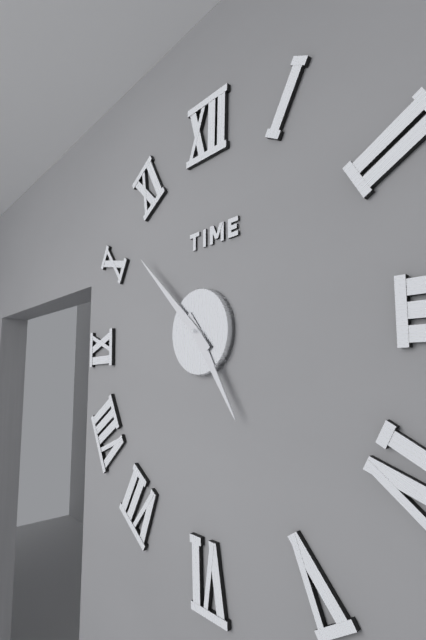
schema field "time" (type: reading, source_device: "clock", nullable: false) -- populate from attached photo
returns 4:52
